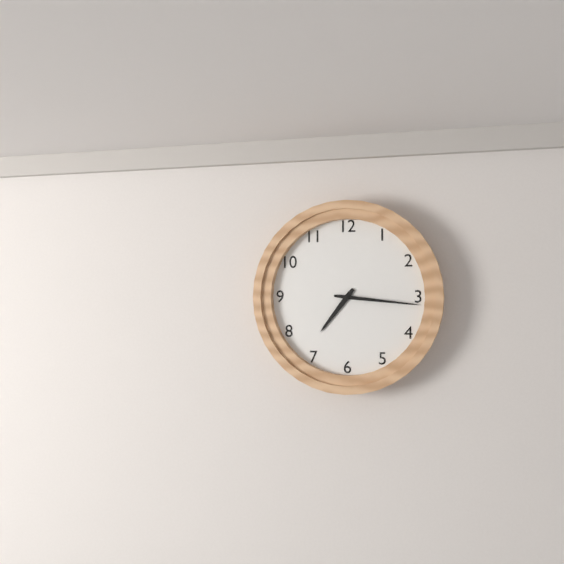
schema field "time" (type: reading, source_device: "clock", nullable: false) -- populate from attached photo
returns 7:16
